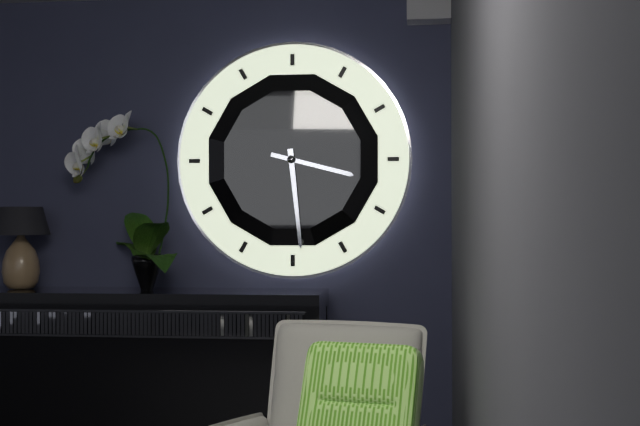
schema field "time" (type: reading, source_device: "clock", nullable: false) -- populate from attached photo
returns 3:29
